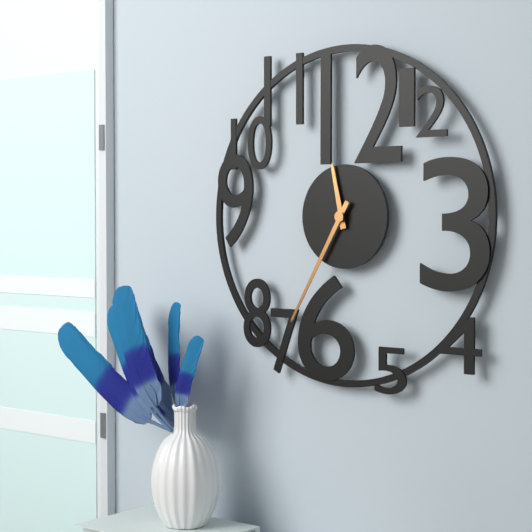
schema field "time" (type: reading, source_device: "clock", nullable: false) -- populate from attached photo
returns 11:35
